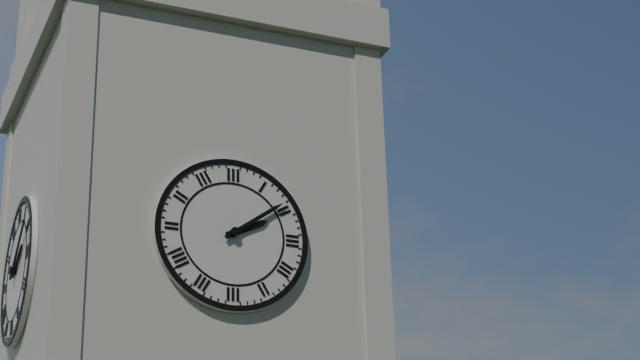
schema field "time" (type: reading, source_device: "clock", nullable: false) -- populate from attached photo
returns 2:09
